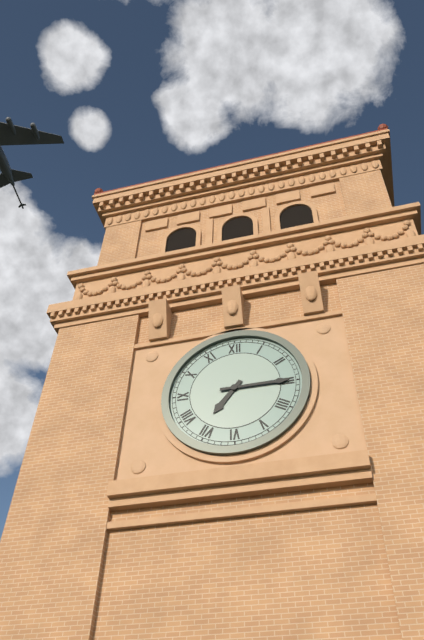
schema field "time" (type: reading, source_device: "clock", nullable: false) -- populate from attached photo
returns 7:15
